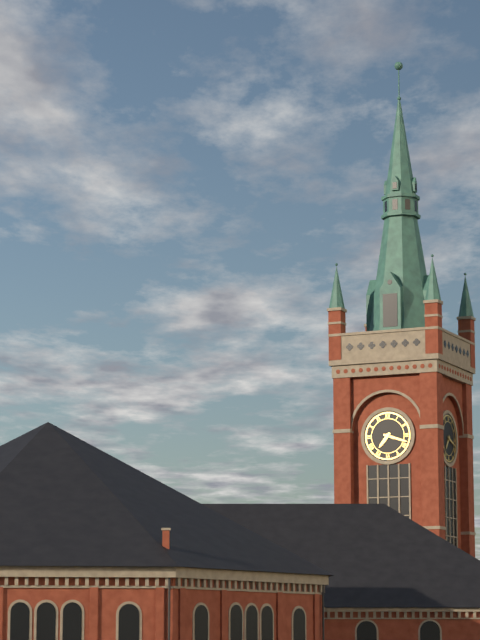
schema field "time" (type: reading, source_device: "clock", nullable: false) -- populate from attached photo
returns 7:18
